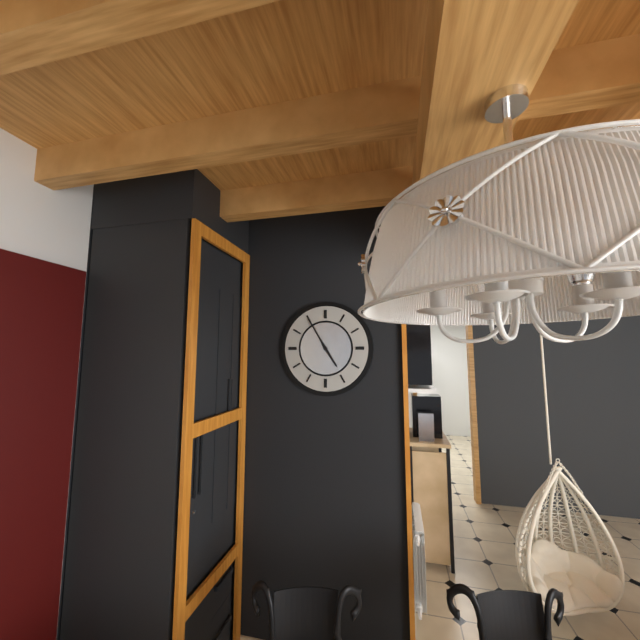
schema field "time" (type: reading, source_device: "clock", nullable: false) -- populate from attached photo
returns 4:55
